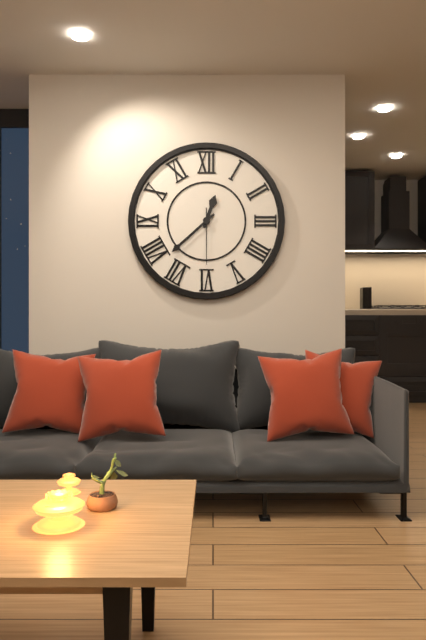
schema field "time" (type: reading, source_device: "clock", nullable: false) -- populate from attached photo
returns 12:38:30
